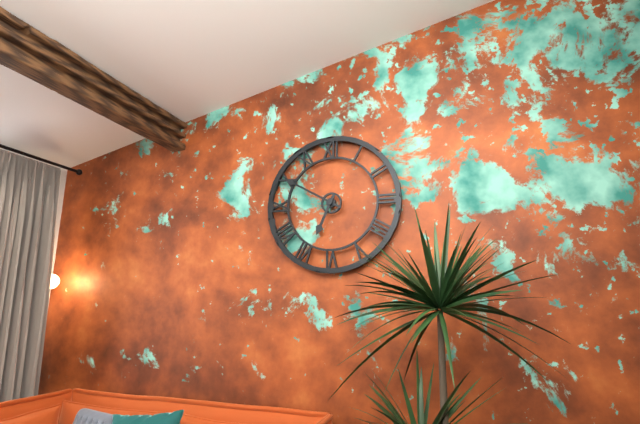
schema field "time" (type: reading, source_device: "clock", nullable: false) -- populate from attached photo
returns 6:50
